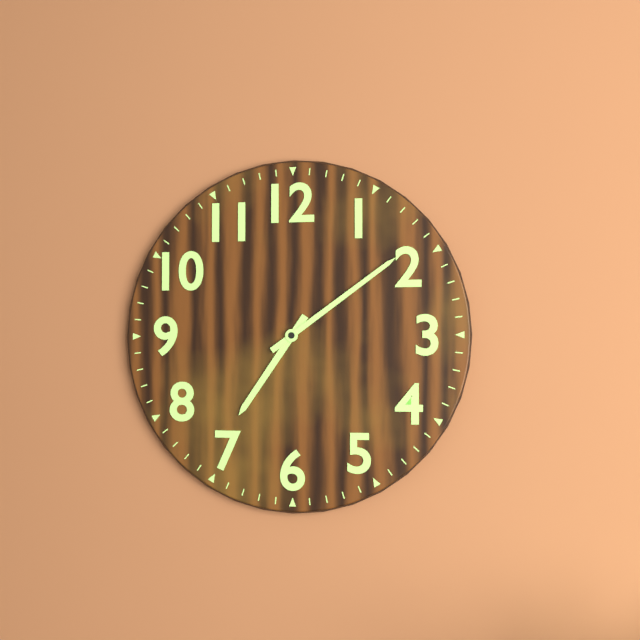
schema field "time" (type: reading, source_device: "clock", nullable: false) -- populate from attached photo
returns 7:09
